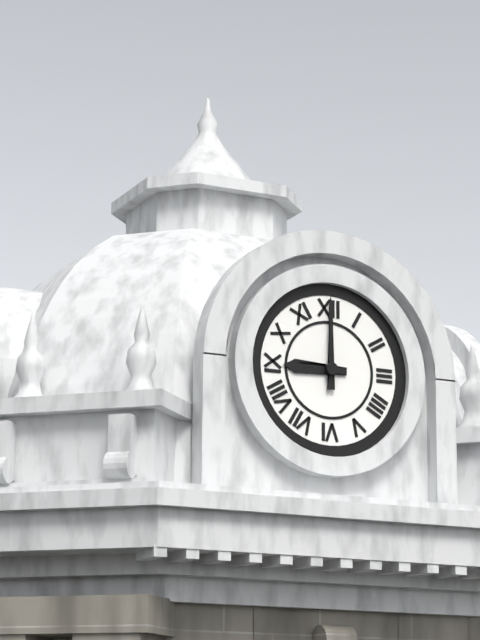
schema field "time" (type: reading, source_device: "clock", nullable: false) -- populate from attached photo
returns 9:00
